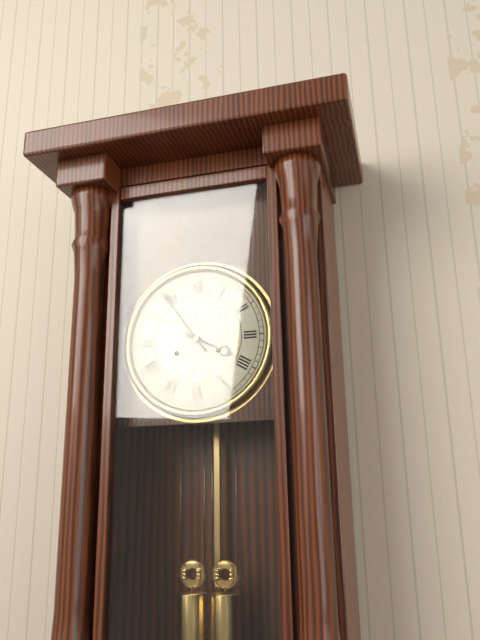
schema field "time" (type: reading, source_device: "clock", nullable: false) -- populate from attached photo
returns 3:54
